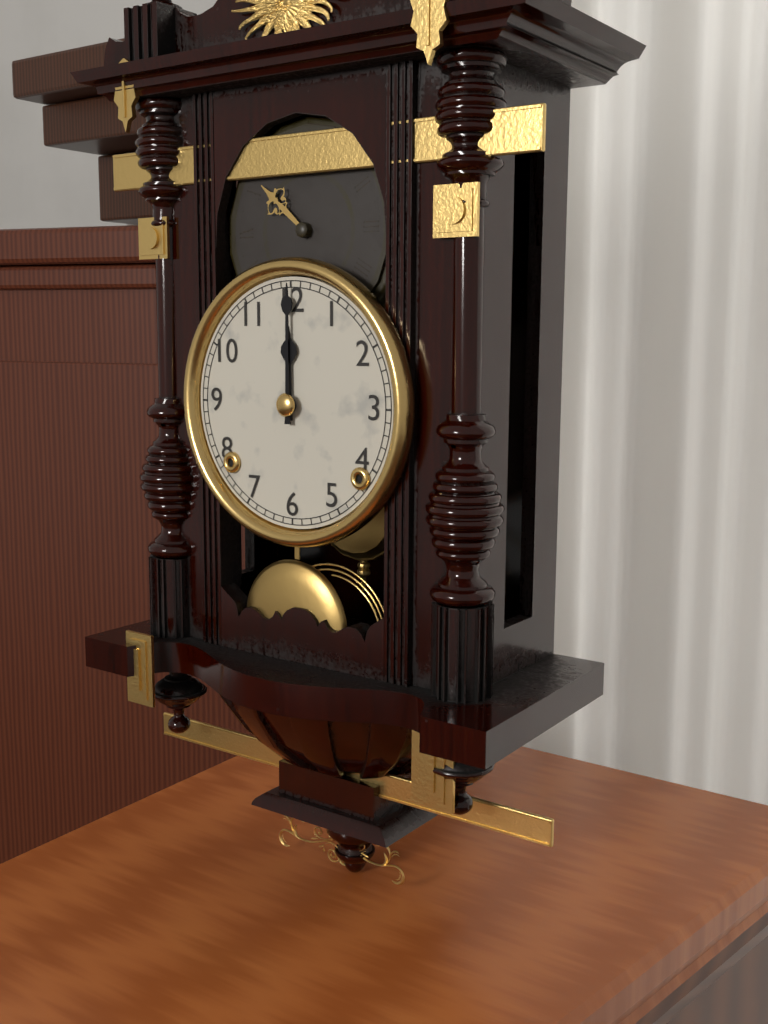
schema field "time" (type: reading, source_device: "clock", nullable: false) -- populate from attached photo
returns 12:00
